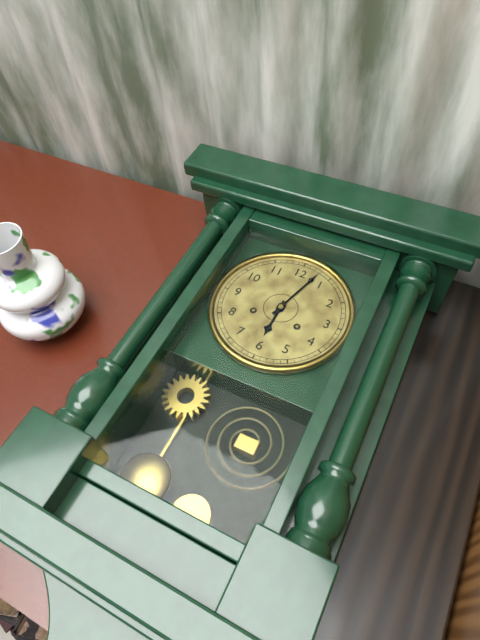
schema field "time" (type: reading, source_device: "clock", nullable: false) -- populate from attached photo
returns 6:03
